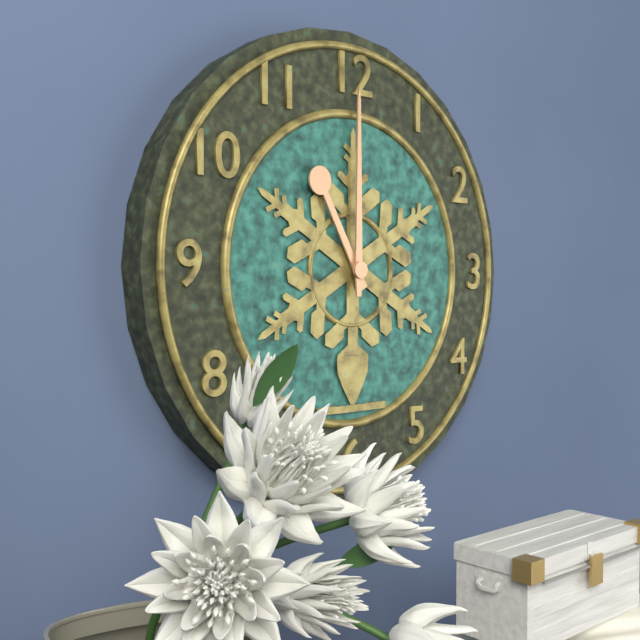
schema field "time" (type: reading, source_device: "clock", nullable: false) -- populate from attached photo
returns 11:00
